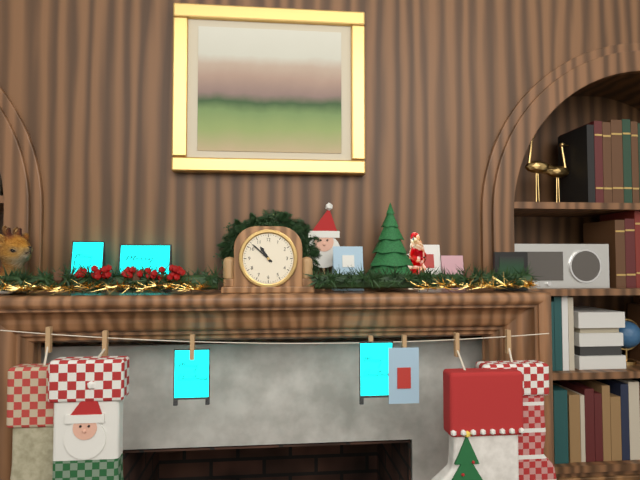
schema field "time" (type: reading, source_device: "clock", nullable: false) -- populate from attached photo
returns 10:52
